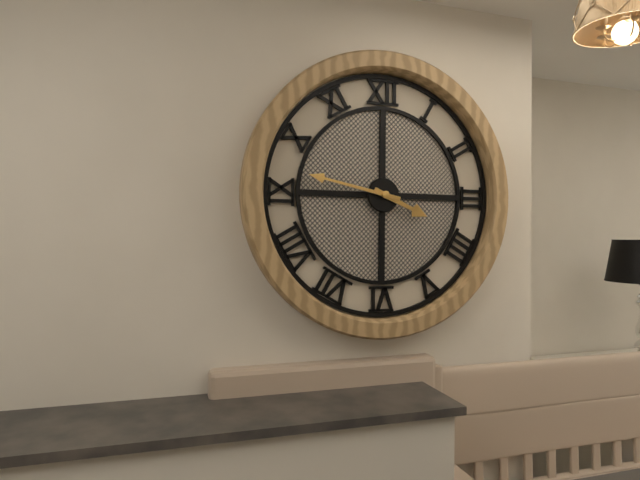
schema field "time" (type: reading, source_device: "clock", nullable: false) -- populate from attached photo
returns 3:47
